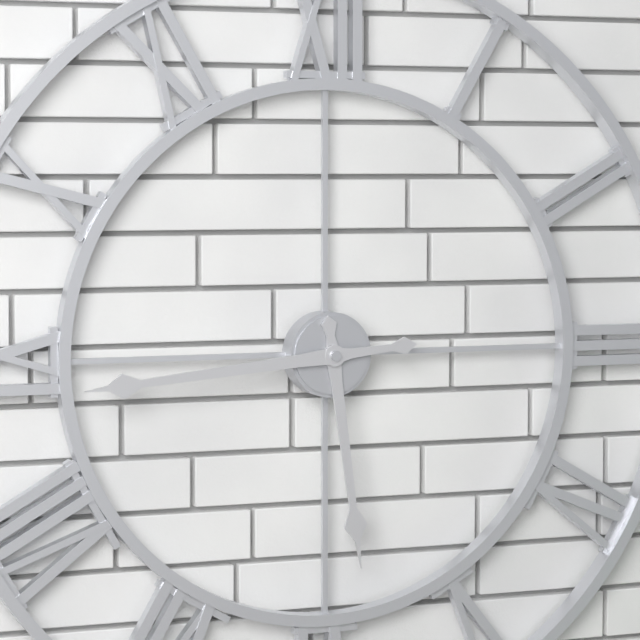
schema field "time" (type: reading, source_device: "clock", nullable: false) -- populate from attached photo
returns 5:44
